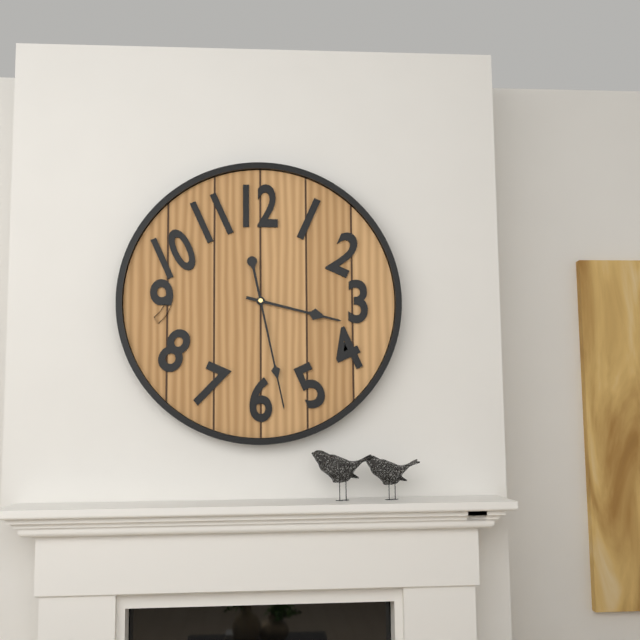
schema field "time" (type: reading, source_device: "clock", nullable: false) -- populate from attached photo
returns 3:28
